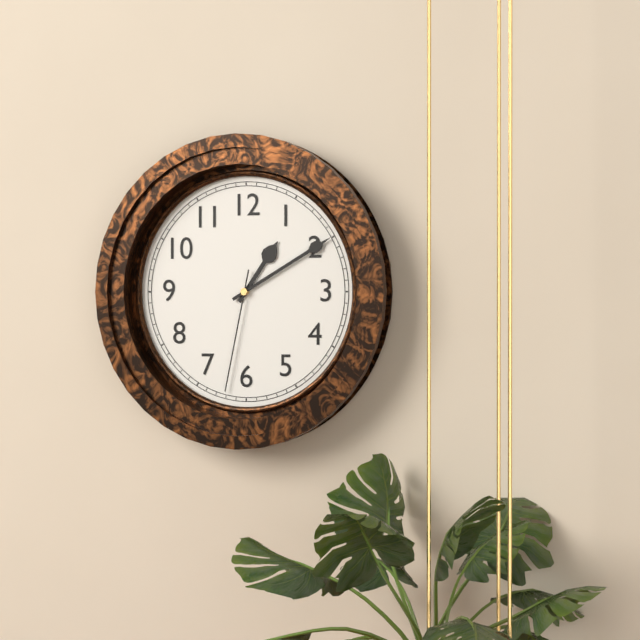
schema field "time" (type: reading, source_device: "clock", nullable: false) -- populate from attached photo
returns 1:10:32
